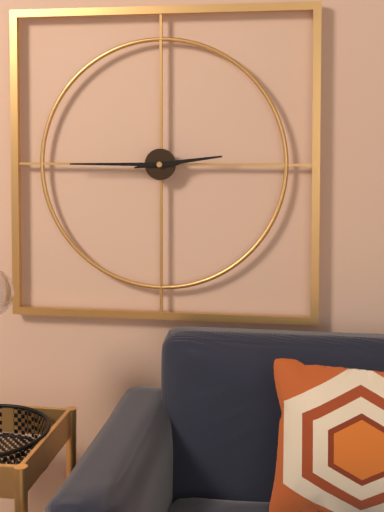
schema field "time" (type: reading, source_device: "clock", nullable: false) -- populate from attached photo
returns 2:45
